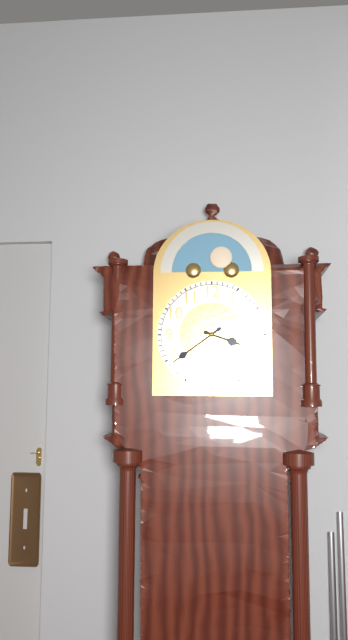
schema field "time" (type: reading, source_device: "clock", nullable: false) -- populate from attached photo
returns 3:39
